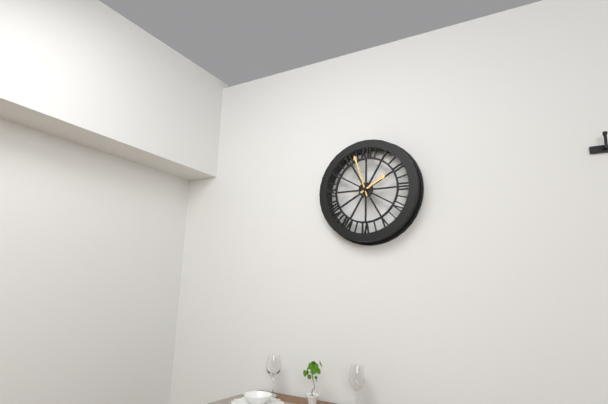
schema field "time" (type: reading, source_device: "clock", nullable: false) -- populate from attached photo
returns 1:57
